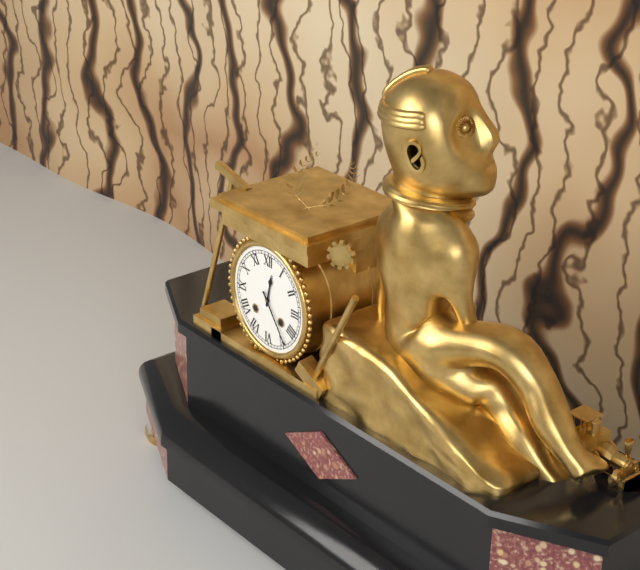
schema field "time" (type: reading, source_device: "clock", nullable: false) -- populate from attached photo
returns 12:24
